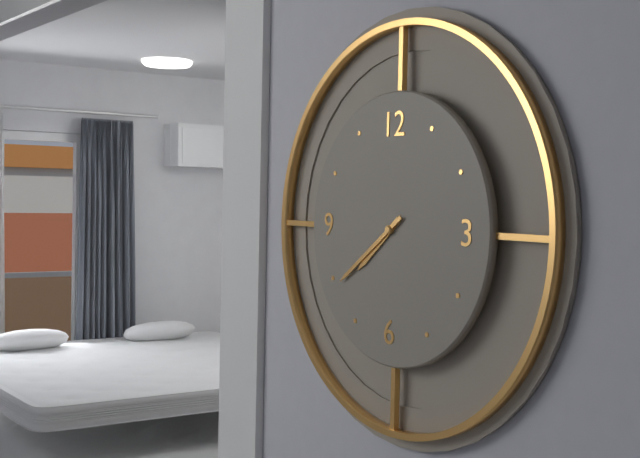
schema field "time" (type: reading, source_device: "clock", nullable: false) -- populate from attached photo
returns 7:39
